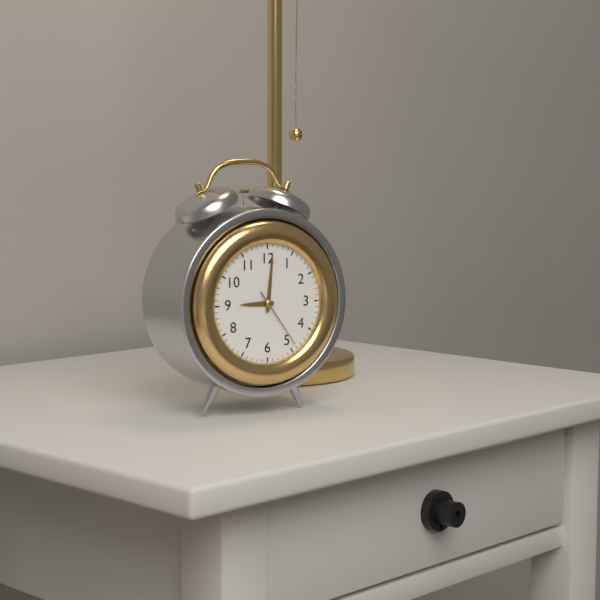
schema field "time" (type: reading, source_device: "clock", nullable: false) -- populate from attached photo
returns 9:01:24
